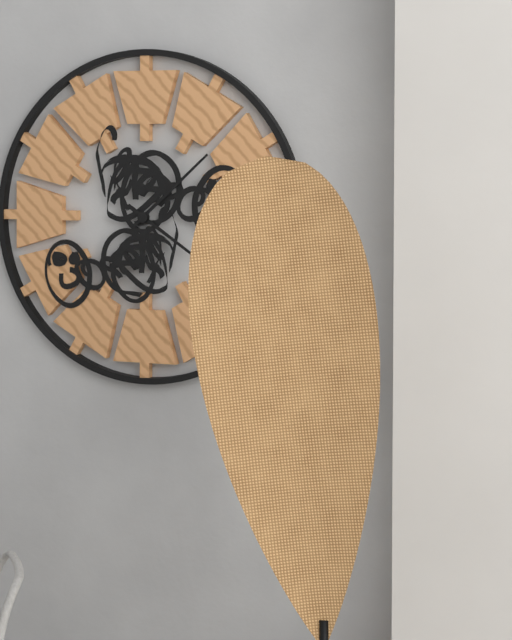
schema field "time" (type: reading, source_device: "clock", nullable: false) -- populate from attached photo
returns 4:08
